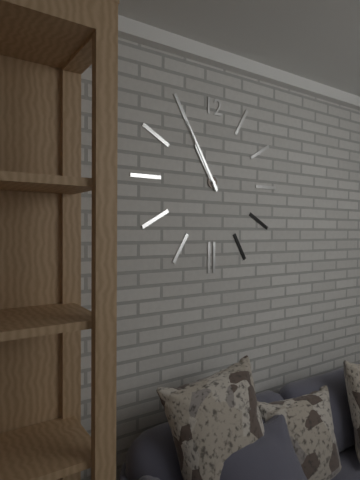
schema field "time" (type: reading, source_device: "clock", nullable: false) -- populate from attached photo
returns 10:55
